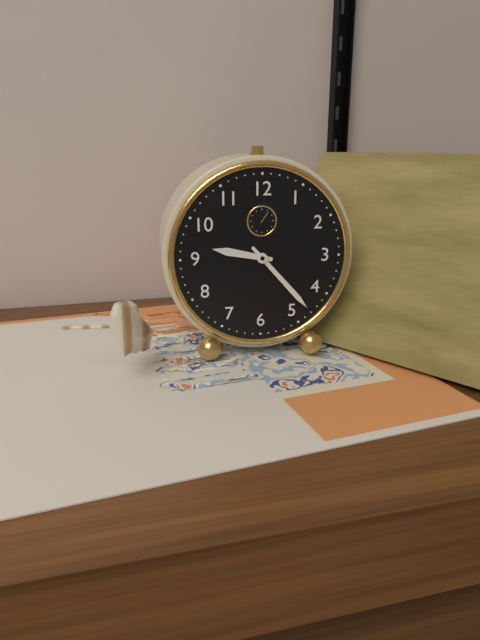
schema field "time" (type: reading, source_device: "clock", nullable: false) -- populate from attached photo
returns 9:23
